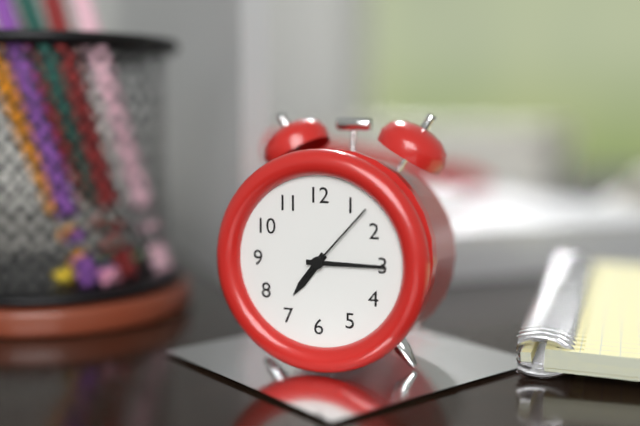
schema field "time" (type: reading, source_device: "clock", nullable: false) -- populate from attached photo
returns 7:15:07
